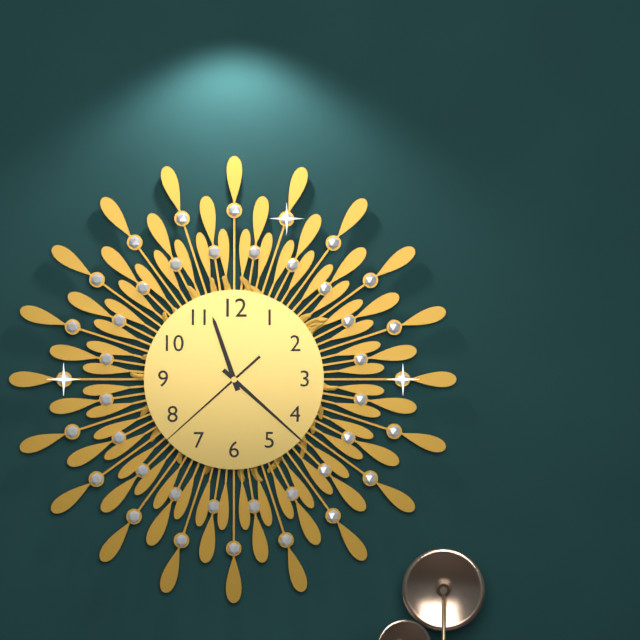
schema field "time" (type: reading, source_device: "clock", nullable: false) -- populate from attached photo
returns 11:22:38
